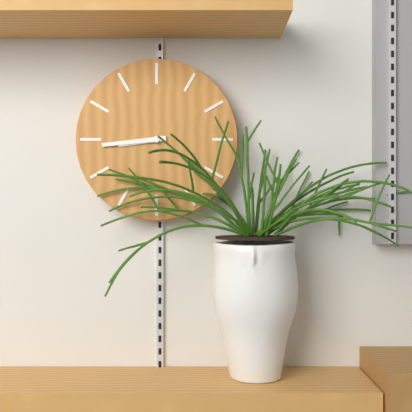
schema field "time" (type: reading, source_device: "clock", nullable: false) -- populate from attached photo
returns 8:44
